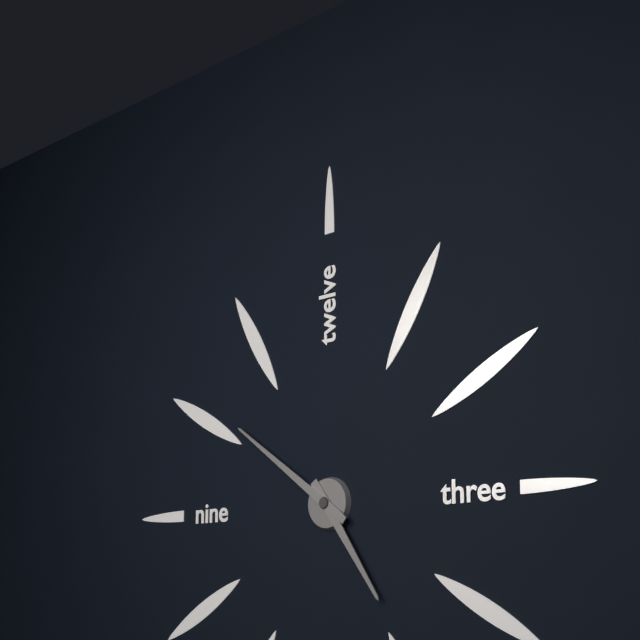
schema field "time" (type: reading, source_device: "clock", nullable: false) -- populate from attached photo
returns 4:51
